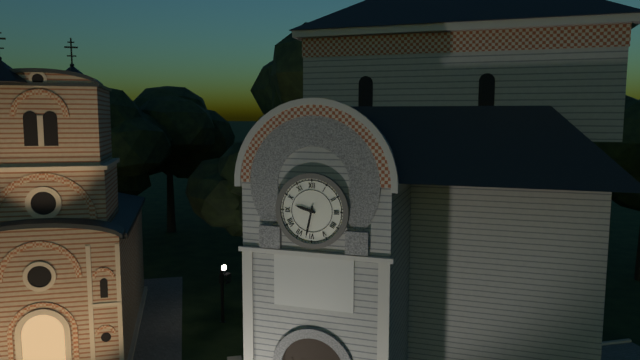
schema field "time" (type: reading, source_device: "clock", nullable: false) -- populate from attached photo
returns 9:32
